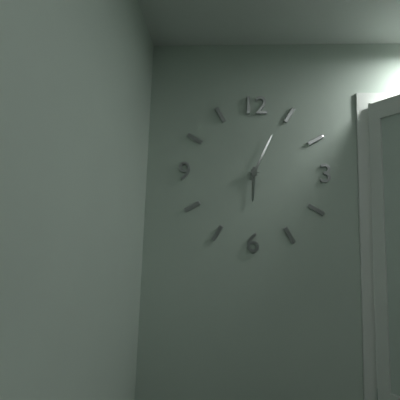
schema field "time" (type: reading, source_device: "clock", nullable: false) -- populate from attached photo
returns 6:04
